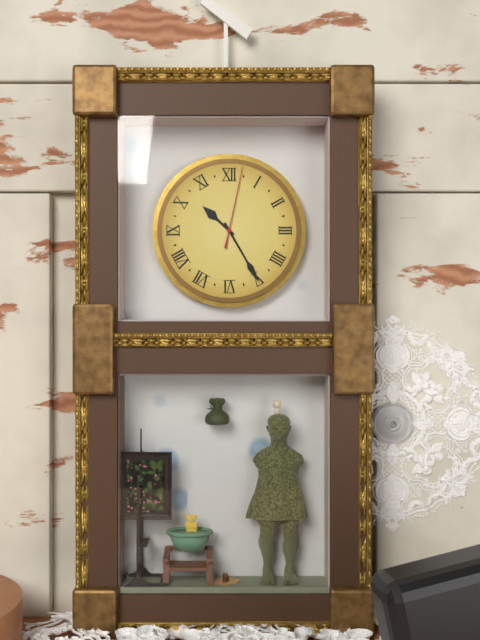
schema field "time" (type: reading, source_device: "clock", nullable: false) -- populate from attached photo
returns 10:25:02
